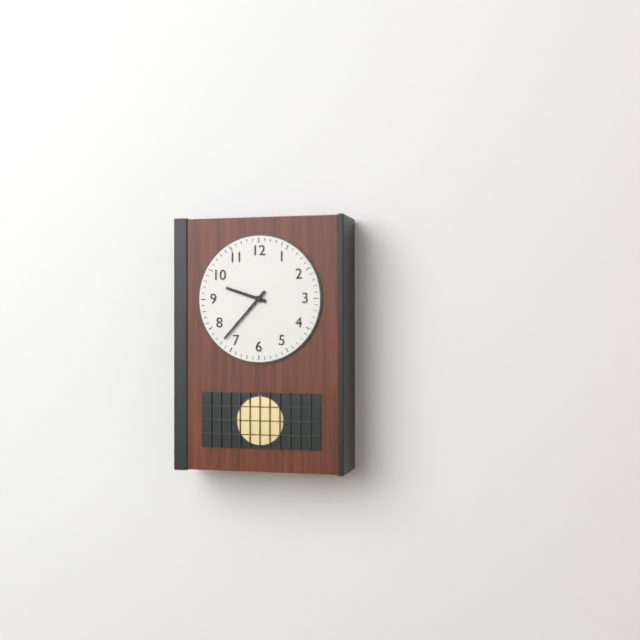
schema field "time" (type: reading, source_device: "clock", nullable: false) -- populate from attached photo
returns 9:37
